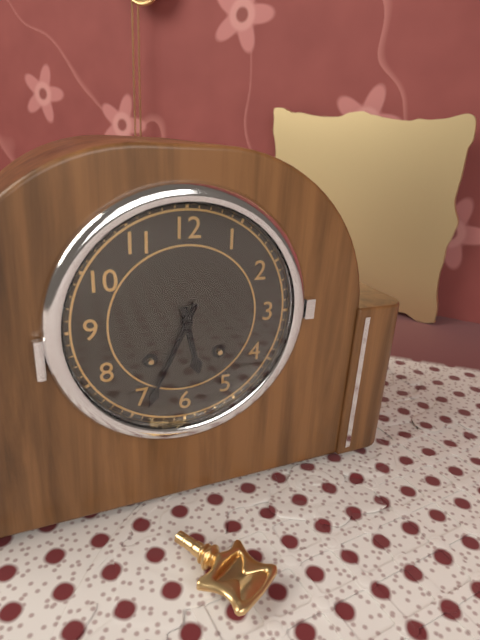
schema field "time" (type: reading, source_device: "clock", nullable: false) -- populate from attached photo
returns 5:34
